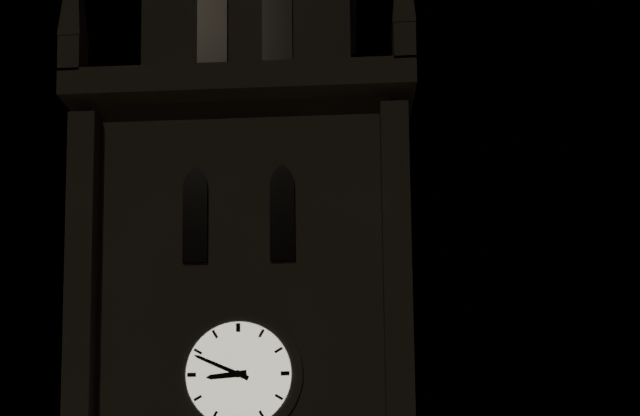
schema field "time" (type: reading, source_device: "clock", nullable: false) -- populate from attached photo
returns 8:49
